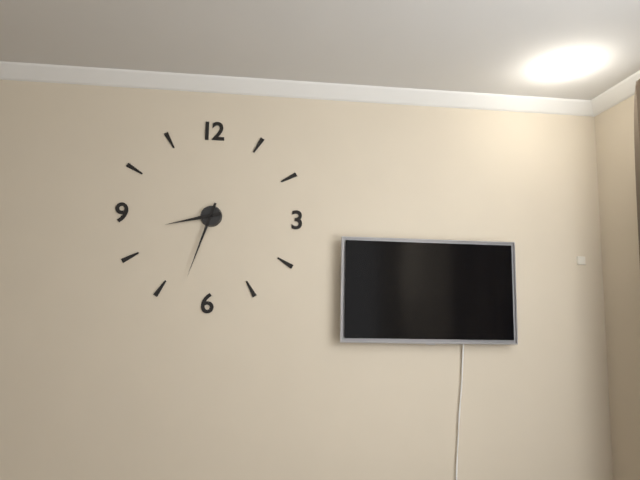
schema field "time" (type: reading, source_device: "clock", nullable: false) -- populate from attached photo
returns 8:33
